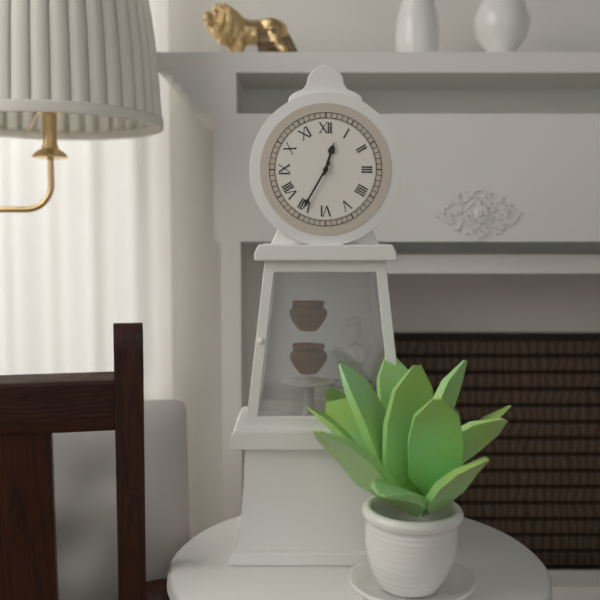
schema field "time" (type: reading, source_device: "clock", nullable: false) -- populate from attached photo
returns 12:35
